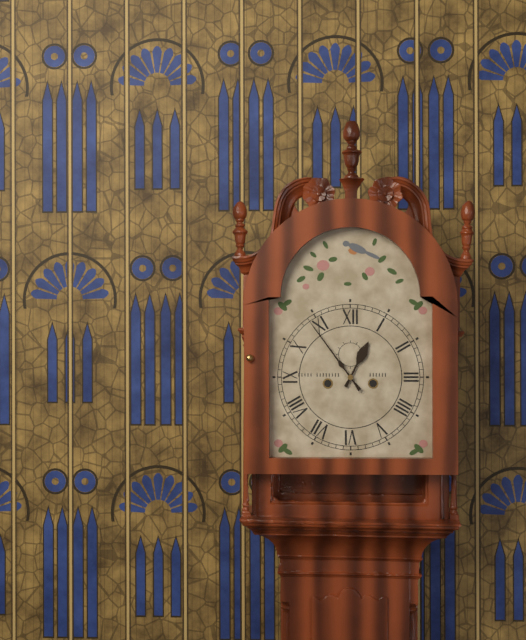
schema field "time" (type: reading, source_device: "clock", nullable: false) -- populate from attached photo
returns 12:54
